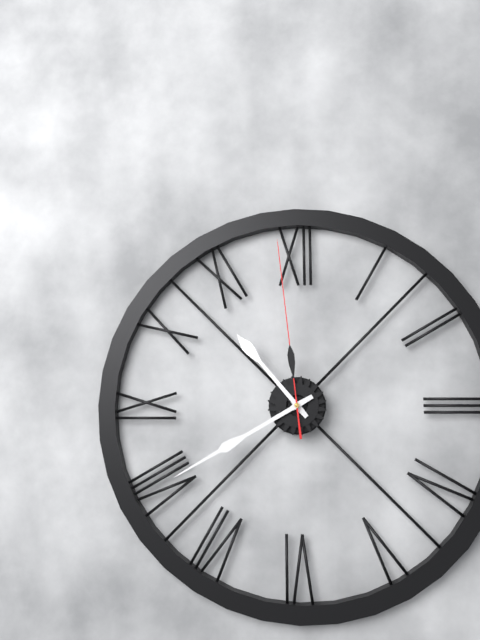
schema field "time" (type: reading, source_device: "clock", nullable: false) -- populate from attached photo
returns 10:40:59
